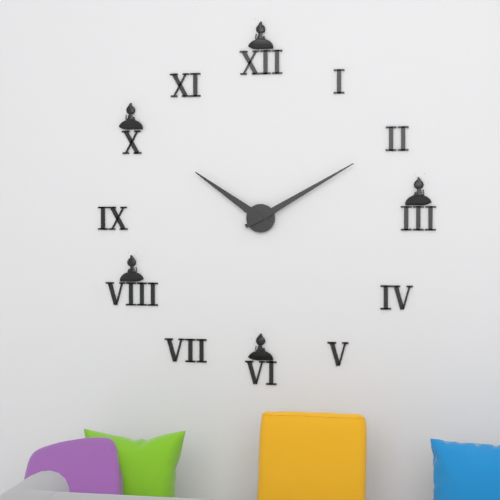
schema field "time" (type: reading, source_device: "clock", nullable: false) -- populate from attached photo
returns 10:10
